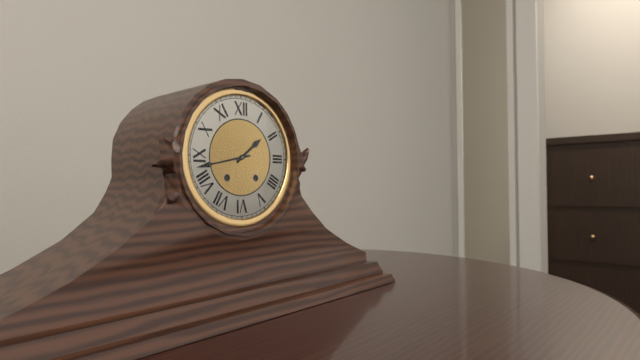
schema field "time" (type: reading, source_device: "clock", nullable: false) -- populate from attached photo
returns 1:43
